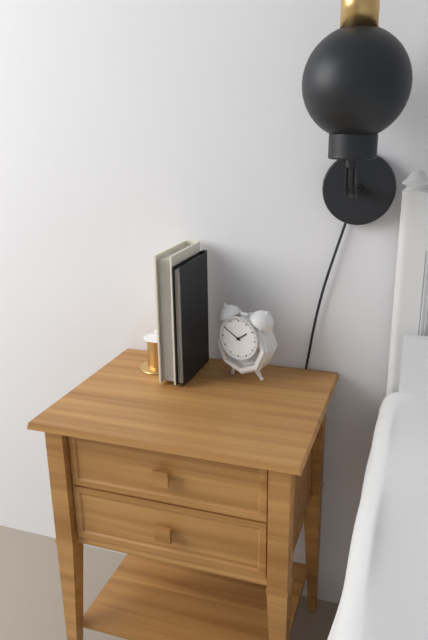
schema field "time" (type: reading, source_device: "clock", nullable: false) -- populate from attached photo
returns 1:50
